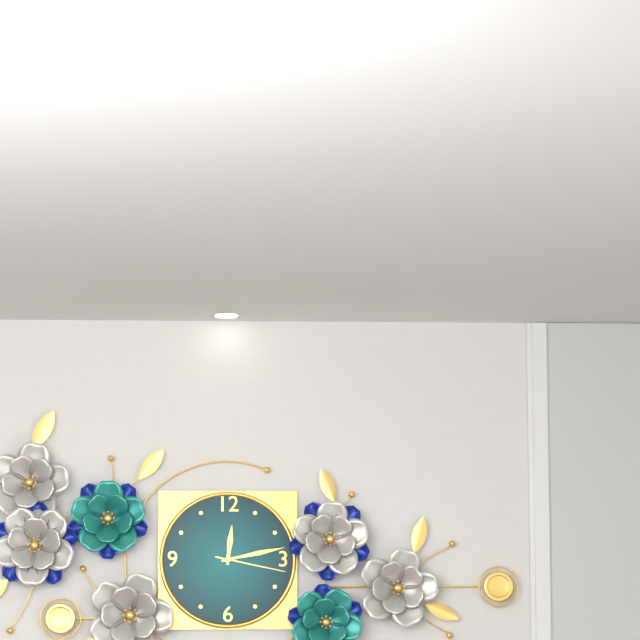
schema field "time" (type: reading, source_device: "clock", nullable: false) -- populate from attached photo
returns 12:13:17
